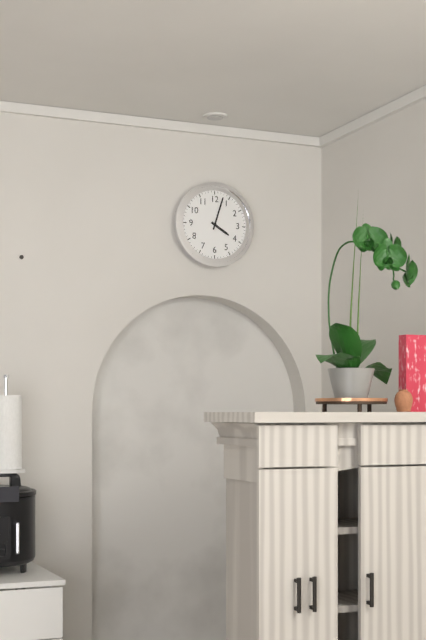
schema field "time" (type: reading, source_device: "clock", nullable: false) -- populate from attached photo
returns 4:03
